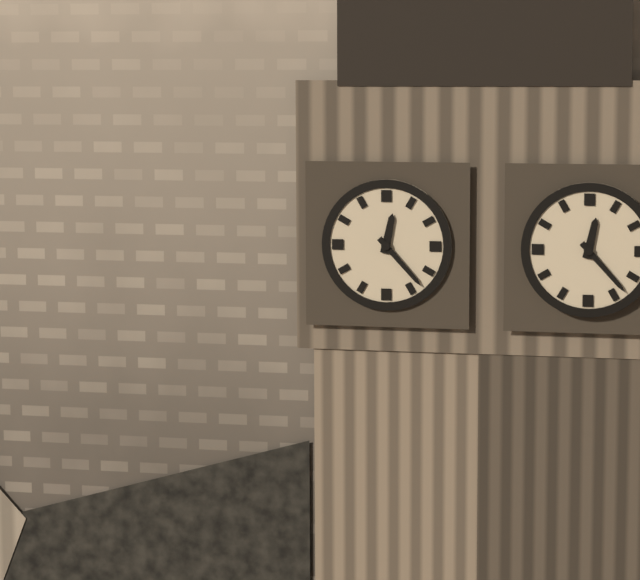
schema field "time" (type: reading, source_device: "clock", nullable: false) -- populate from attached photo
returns 12:23
